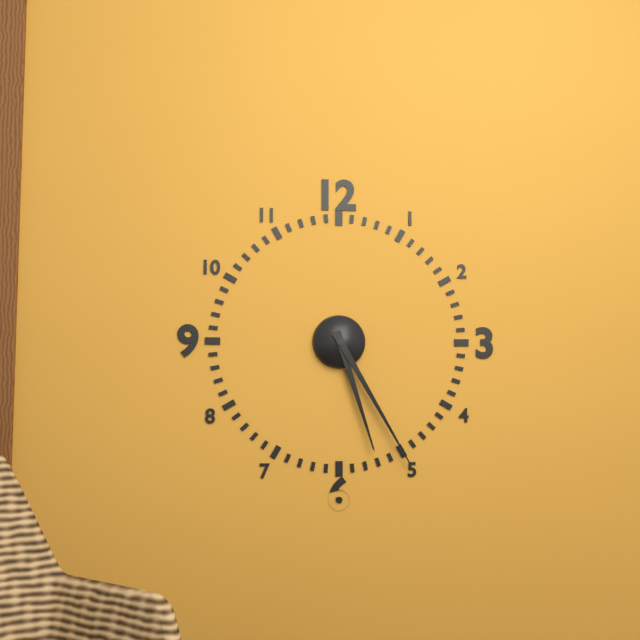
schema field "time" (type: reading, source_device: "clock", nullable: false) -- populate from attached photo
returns 5:25
